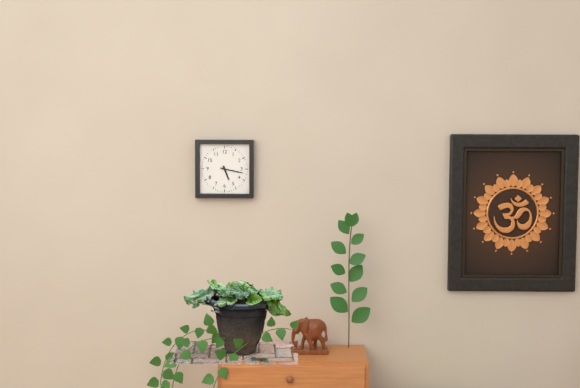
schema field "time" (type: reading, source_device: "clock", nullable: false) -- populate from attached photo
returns 5:17
